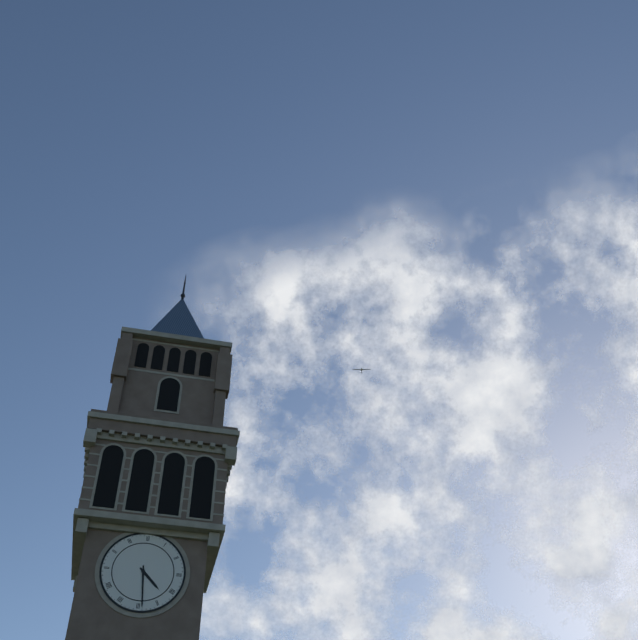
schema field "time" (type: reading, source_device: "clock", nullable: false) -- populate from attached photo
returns 4:29
